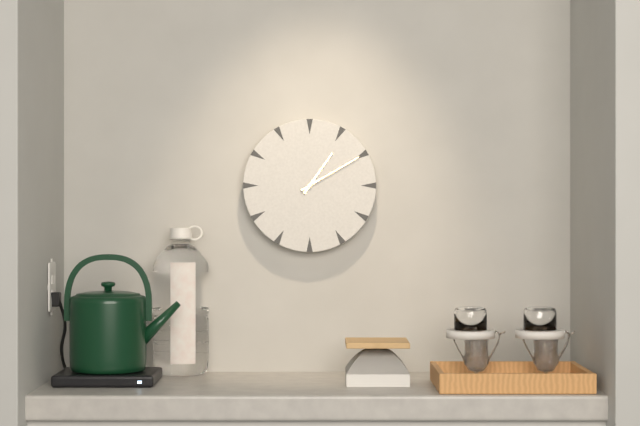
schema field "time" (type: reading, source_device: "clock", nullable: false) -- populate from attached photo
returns 1:10
